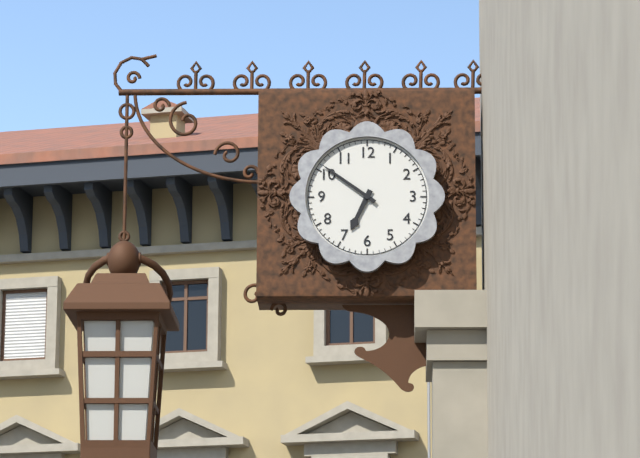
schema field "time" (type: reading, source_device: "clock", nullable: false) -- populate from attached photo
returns 6:51
